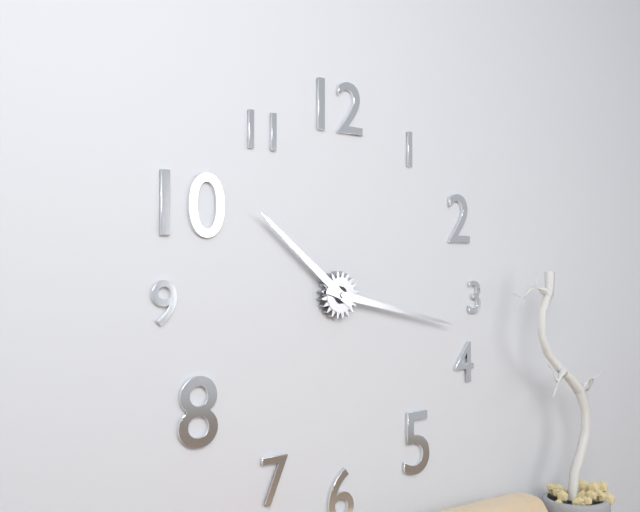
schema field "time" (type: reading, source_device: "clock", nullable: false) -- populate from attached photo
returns 10:17
